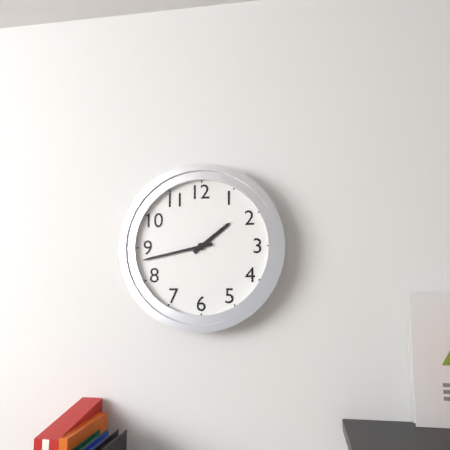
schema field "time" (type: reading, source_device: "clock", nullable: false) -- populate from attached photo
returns 1:43
